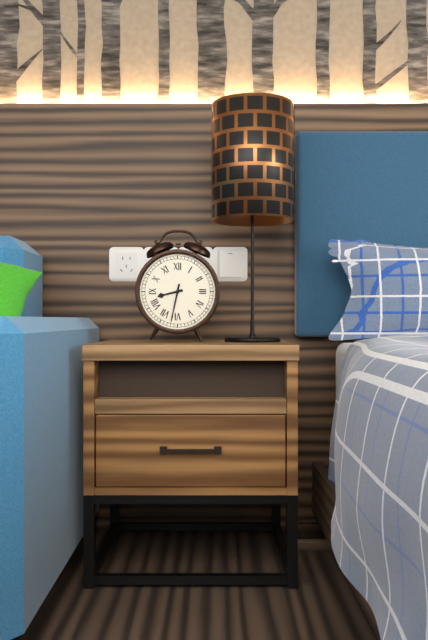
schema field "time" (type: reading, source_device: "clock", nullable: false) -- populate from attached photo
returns 8:32
